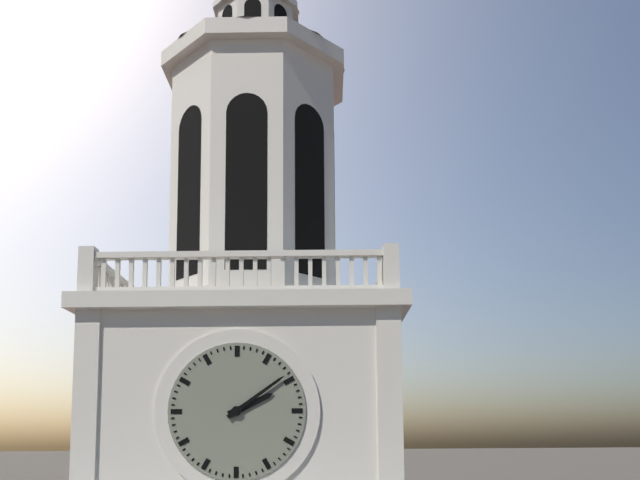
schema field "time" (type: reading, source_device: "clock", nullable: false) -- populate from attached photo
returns 2:09
